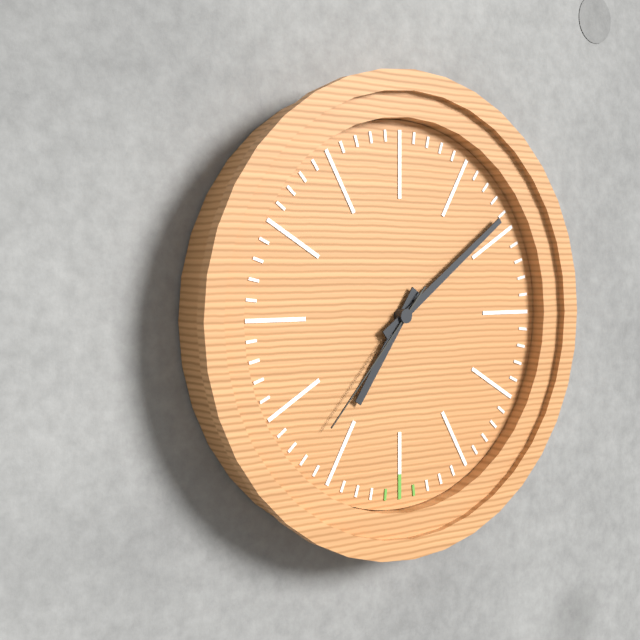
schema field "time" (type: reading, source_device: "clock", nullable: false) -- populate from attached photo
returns 7:09:37
